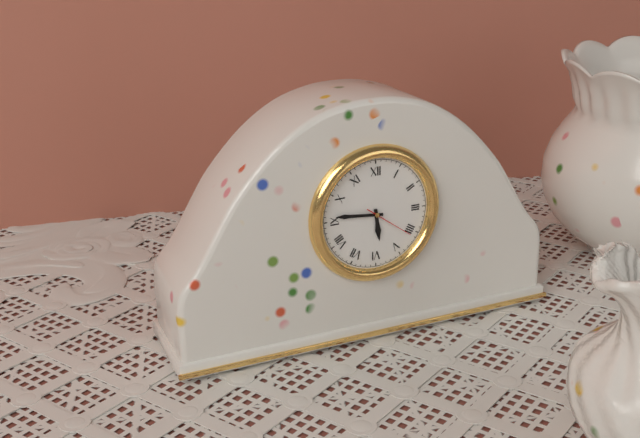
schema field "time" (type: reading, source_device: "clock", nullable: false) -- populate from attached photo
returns 5:46
